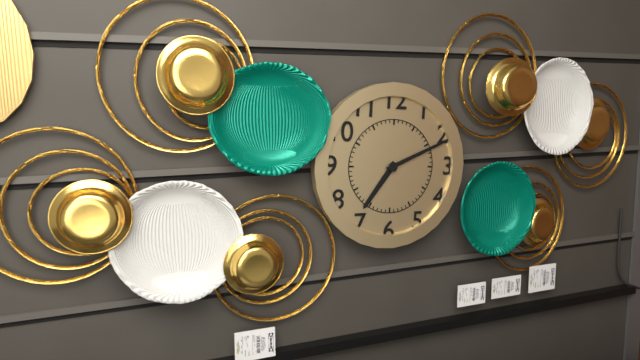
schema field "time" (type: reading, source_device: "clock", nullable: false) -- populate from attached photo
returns 7:11
